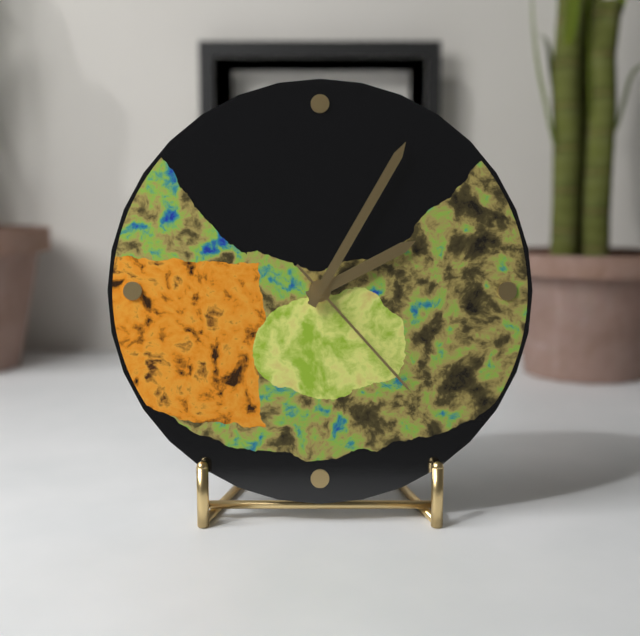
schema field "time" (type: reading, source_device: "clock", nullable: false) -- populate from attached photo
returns 2:05:23
